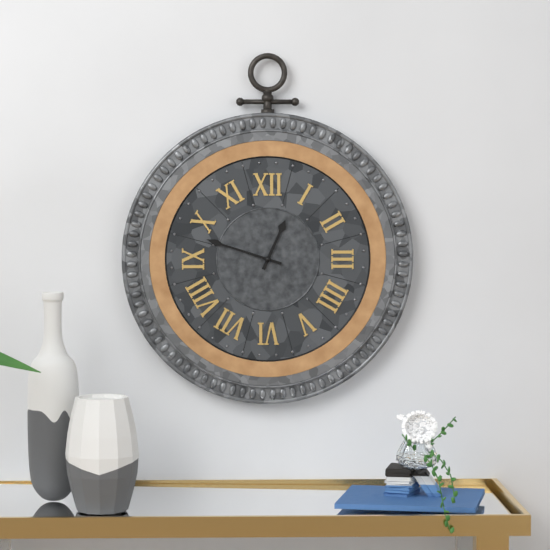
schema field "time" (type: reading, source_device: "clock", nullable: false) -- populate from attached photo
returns 12:48
